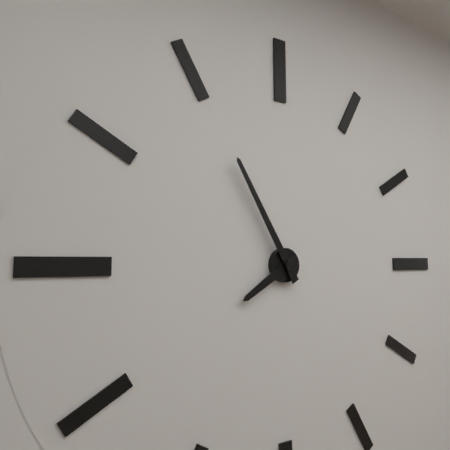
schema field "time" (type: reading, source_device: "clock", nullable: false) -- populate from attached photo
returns 7:55
